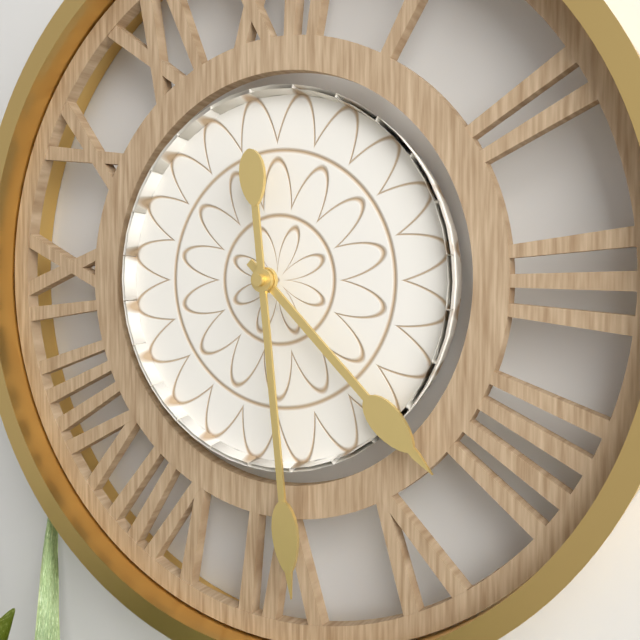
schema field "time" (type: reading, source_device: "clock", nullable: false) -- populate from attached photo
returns 4:29
